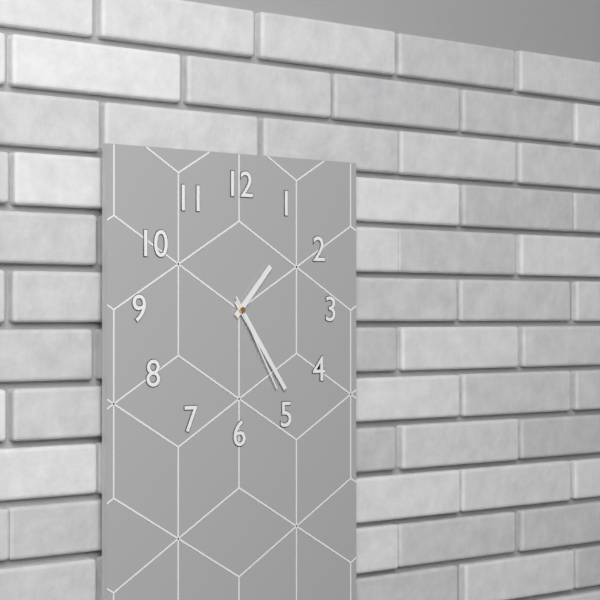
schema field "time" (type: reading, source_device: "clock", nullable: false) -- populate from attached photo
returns 1:24:25
